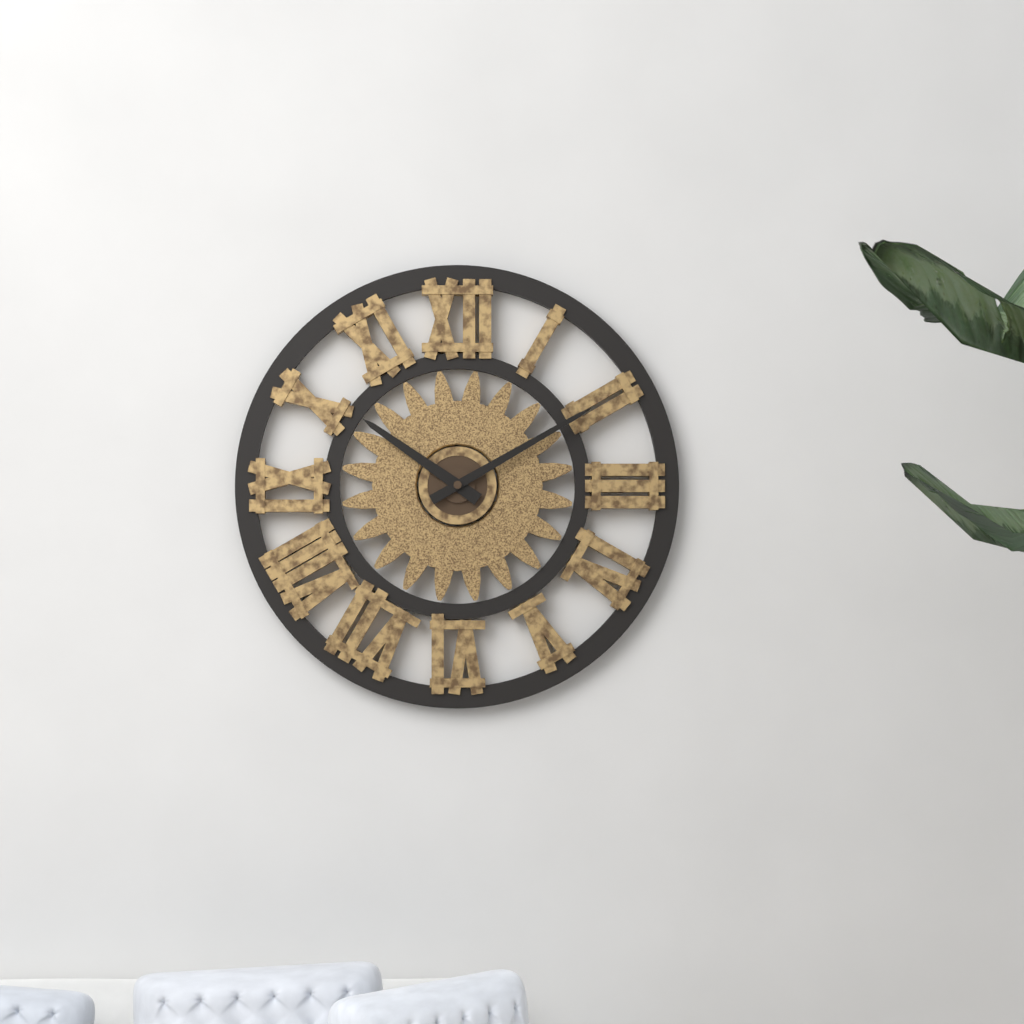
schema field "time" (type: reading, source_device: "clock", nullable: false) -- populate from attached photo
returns 10:10
